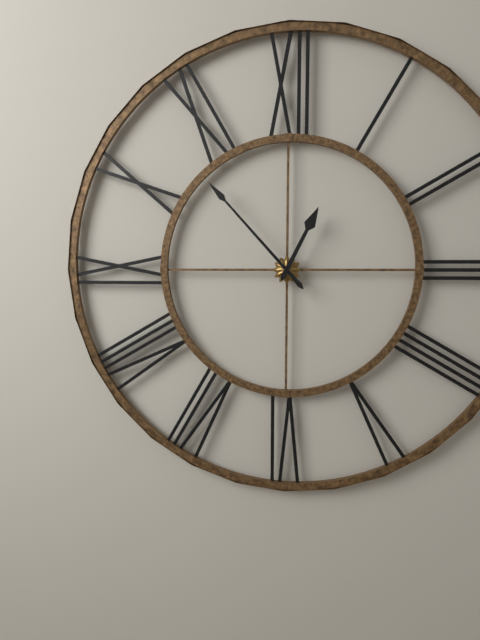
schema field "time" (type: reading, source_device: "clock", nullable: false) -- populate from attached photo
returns 12:53
